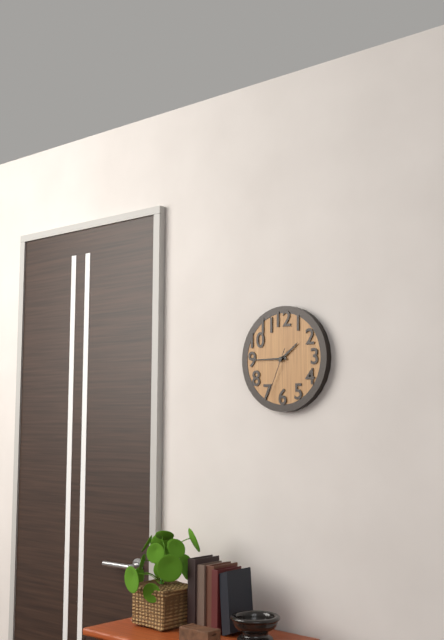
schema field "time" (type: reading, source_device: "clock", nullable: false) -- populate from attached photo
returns 1:45:34
